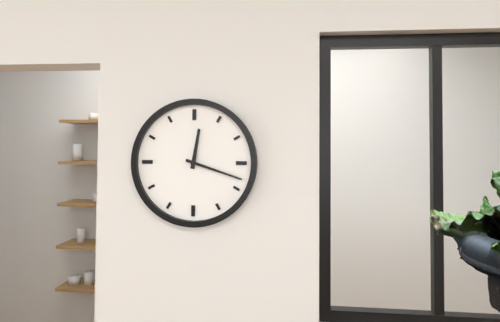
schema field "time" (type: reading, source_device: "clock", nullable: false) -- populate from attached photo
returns 12:18
